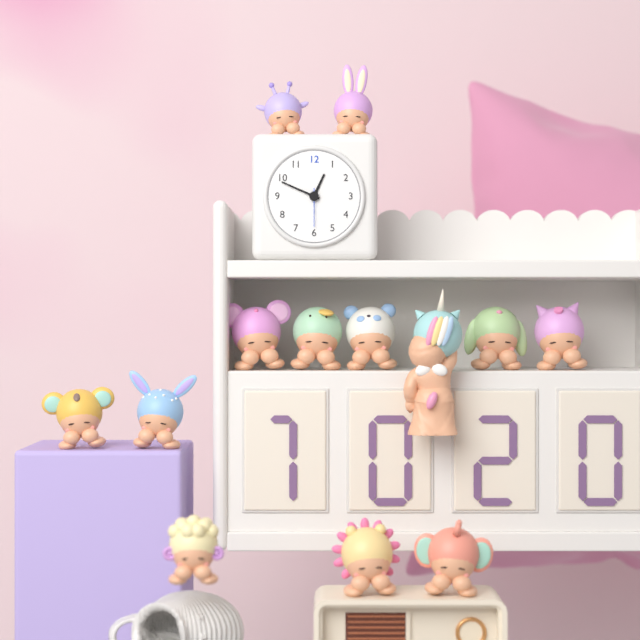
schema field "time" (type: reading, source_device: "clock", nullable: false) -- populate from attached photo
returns 12:49
